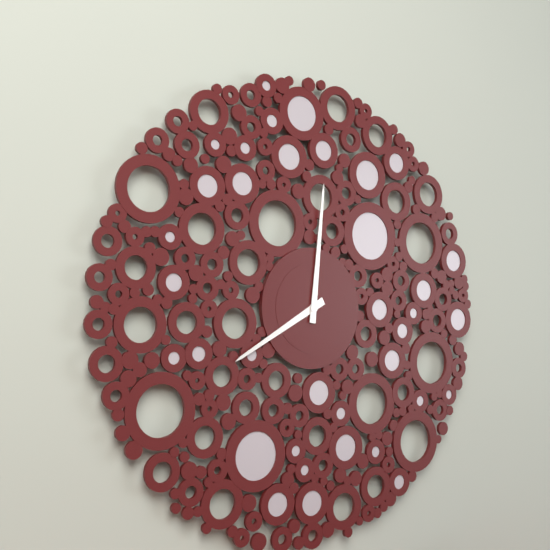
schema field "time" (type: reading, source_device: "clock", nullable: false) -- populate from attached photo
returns 8:01
